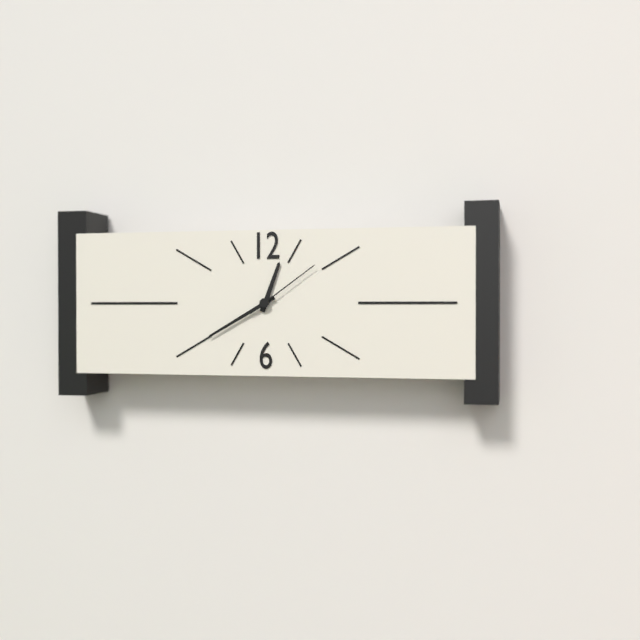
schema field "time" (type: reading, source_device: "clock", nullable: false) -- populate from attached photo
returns 12:40:09
